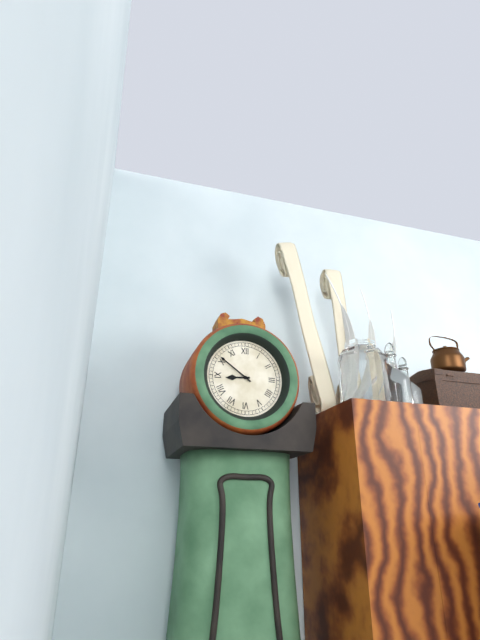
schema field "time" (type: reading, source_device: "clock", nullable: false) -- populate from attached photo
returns 8:51
